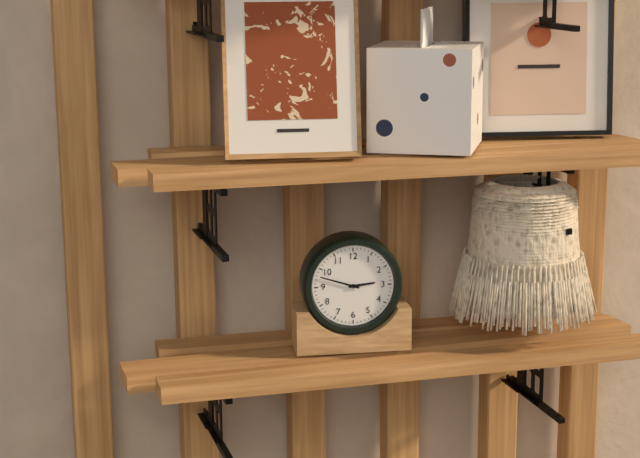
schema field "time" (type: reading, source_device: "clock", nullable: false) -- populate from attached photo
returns 2:48
